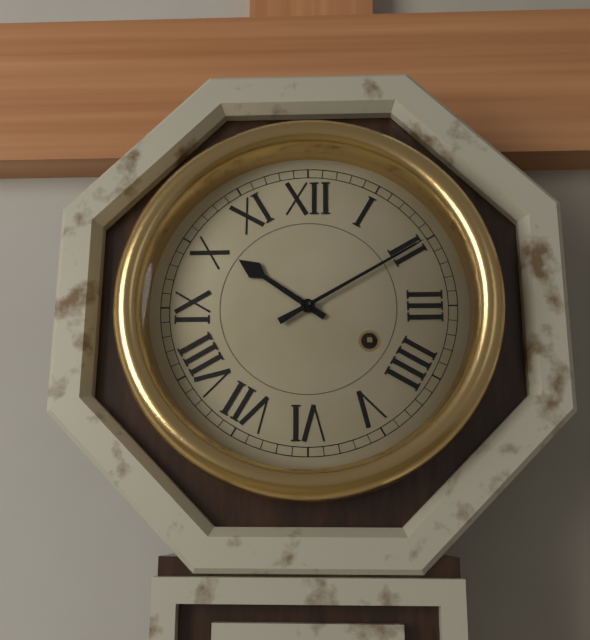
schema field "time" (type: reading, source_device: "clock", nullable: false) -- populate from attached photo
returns 10:10
